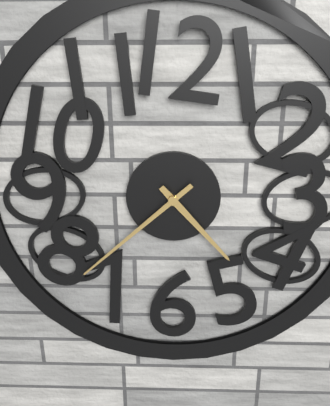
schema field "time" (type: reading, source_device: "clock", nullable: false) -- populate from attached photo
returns 4:38
